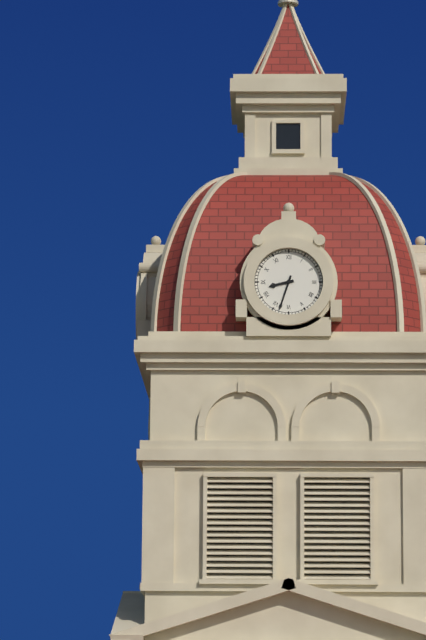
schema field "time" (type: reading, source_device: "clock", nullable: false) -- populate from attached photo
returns 8:33
